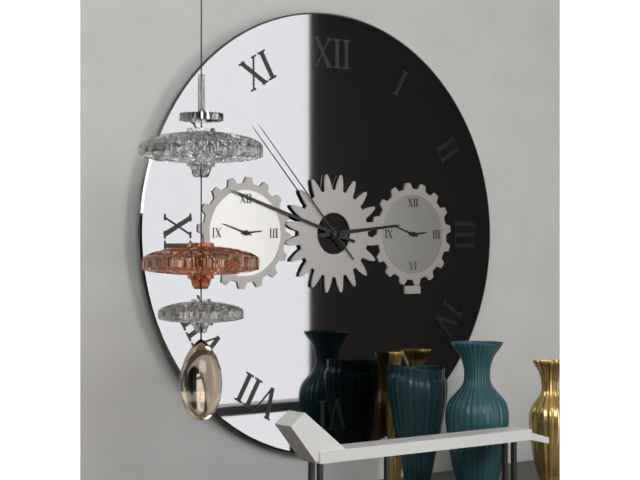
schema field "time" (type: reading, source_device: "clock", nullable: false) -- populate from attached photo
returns 2:48:53
